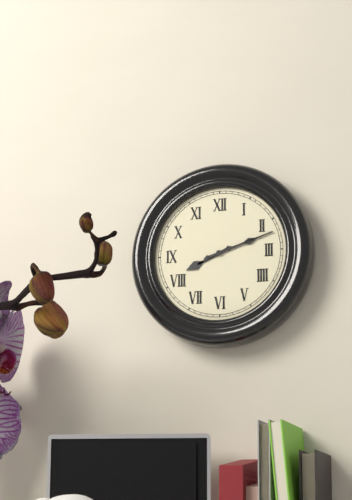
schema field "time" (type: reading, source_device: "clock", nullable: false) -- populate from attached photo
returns 8:12
